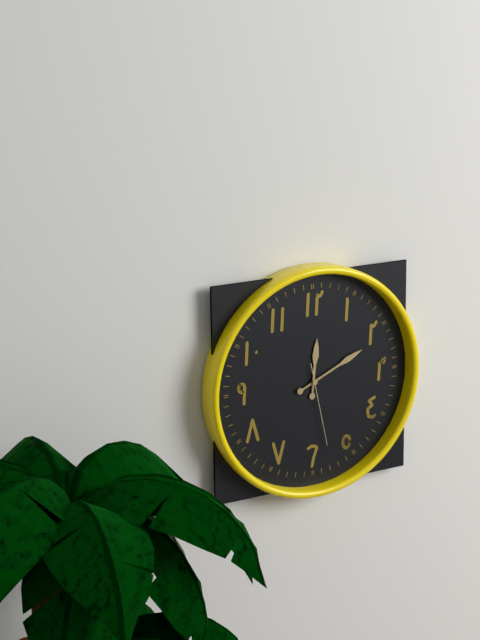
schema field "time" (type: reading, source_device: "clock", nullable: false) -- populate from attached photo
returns 12:11:28
